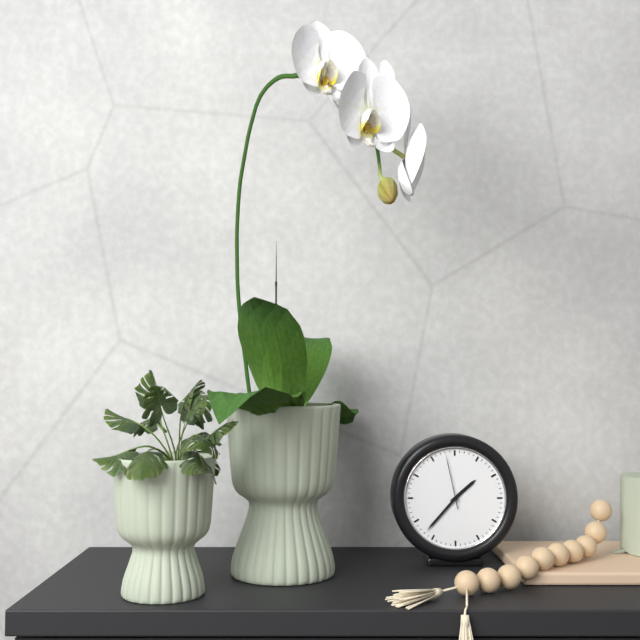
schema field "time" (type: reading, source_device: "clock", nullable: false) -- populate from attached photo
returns 1:37:58
